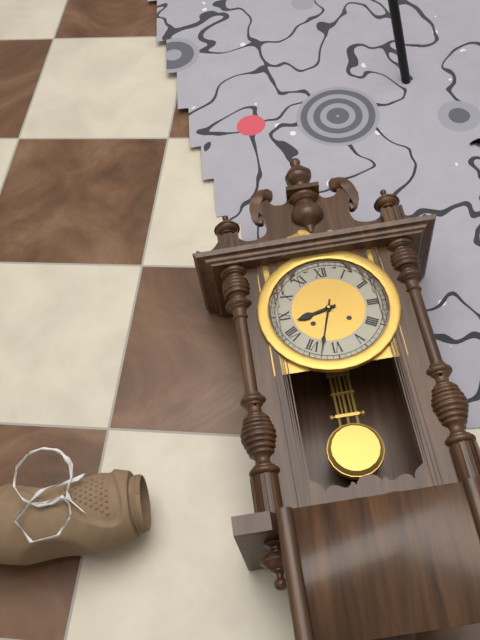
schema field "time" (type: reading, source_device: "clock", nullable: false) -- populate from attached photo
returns 8:33
